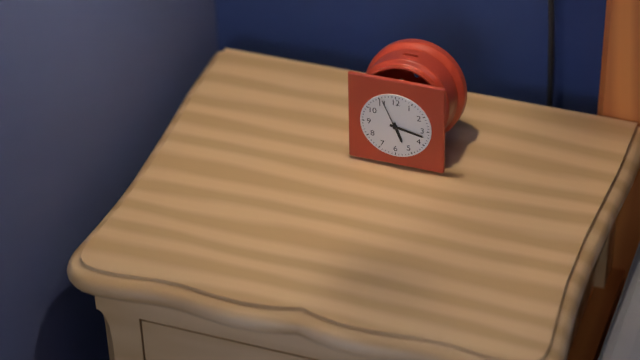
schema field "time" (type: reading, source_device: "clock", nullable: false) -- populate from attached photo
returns 5:17
